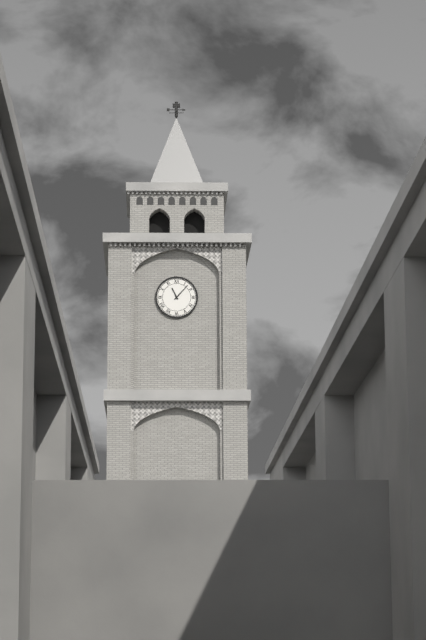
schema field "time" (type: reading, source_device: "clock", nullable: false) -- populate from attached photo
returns 11:07
